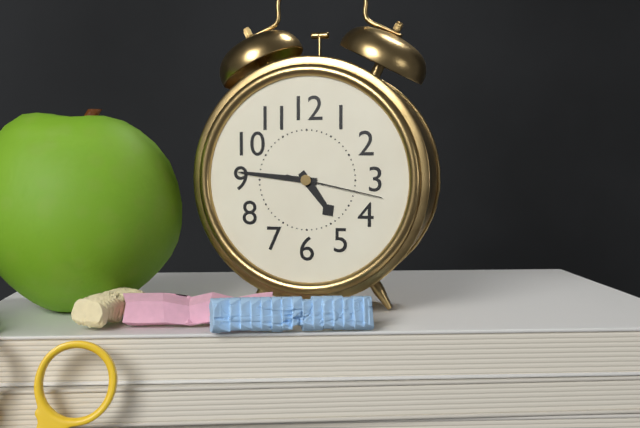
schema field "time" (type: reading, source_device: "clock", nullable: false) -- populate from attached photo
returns 4:46:17
